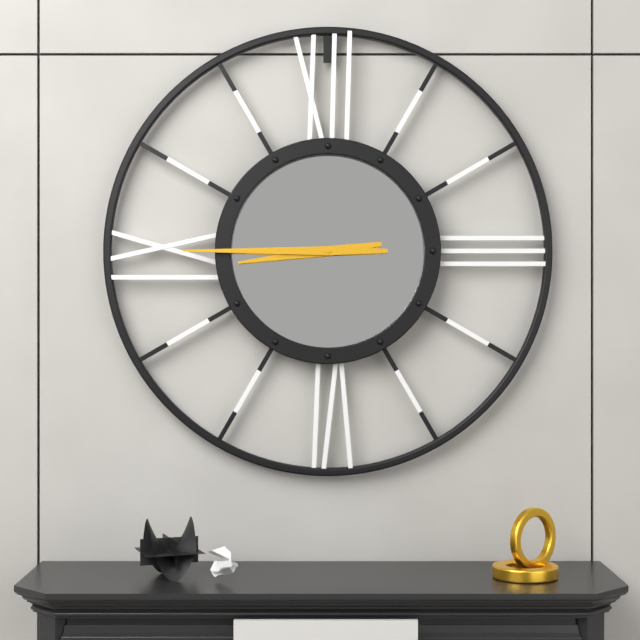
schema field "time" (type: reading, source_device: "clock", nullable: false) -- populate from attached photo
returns 8:45
